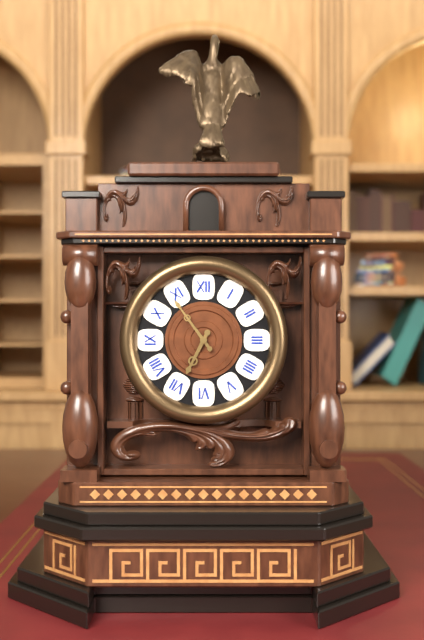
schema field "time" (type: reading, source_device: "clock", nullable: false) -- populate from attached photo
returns 6:54
